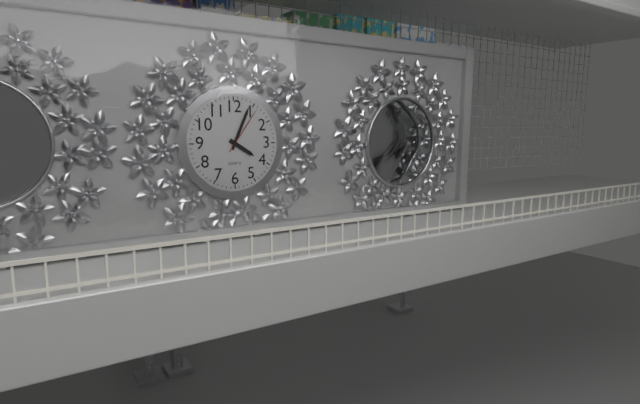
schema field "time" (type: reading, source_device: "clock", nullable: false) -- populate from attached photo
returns 4:04:06
